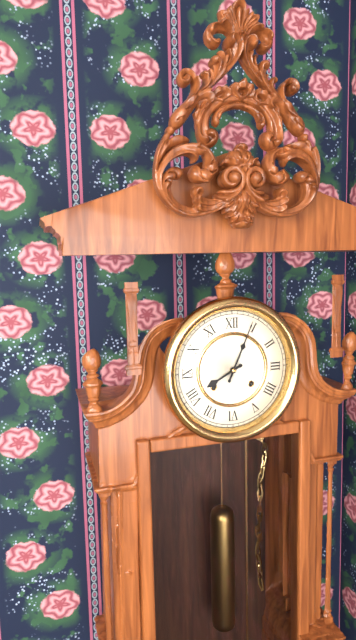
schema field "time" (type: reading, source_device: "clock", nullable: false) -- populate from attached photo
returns 8:04
